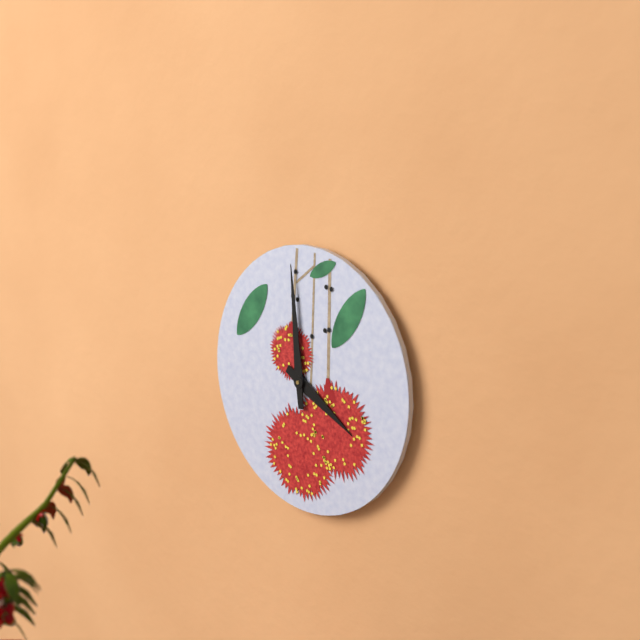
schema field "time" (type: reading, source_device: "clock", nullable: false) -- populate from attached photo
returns 3:59
